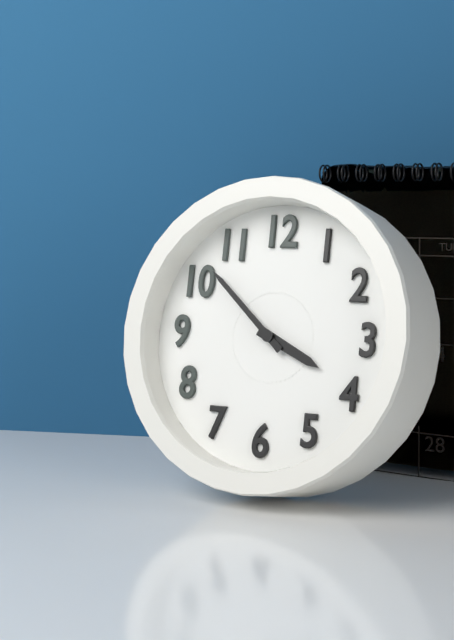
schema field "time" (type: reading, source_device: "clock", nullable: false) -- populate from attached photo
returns 3:52
